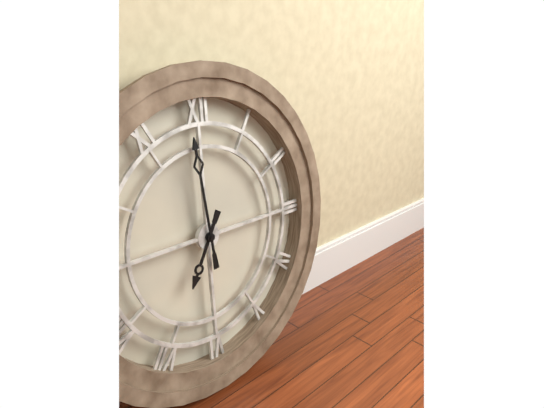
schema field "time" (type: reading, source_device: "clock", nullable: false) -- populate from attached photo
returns 6:59
